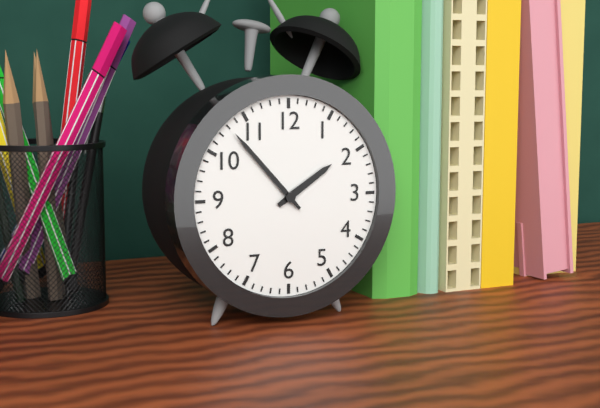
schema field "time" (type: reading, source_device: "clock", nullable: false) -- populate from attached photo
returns 1:53
